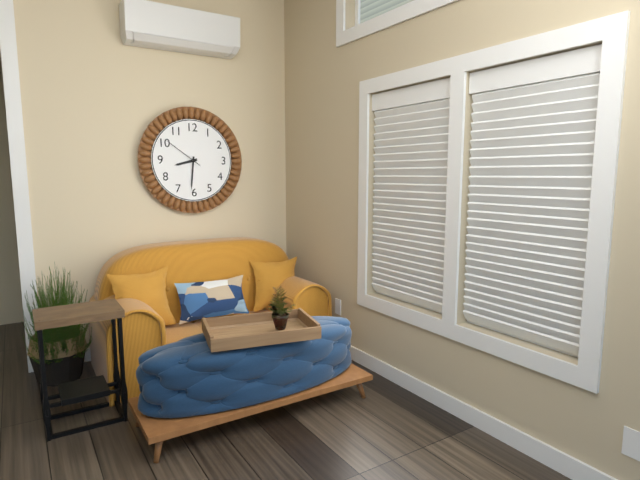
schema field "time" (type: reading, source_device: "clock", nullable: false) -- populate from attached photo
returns 8:31
